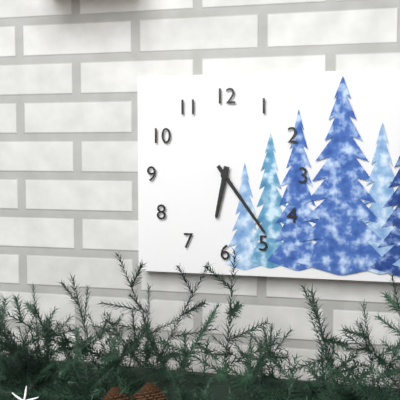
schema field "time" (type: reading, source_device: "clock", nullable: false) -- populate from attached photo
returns 6:24
